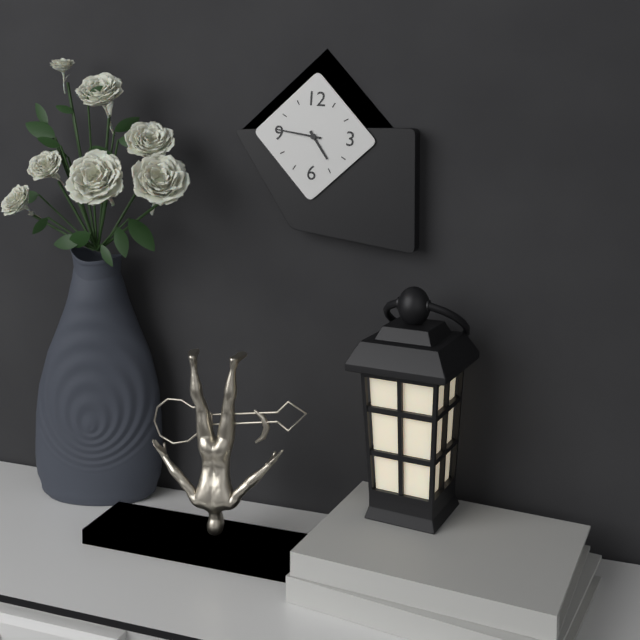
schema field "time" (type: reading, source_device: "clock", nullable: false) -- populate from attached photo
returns 4:46
